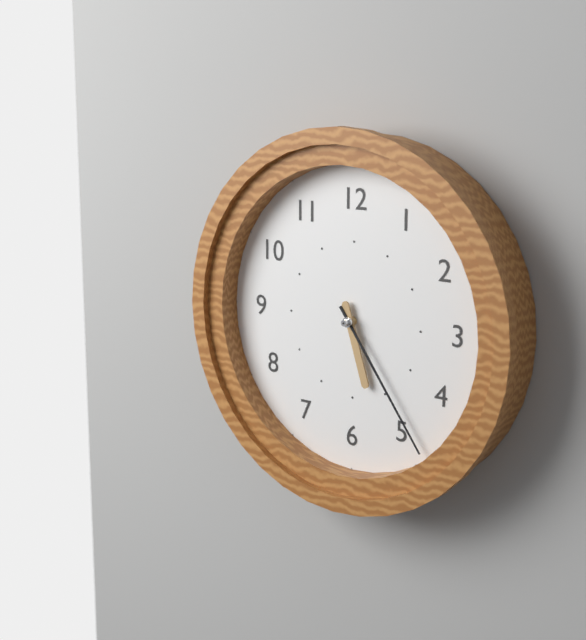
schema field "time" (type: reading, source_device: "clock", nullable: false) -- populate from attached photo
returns 5:24
